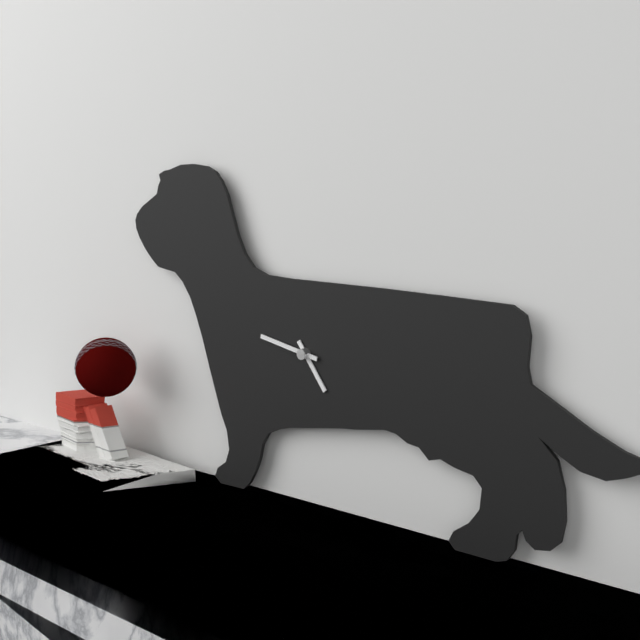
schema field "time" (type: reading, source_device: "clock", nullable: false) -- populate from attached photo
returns 4:47
